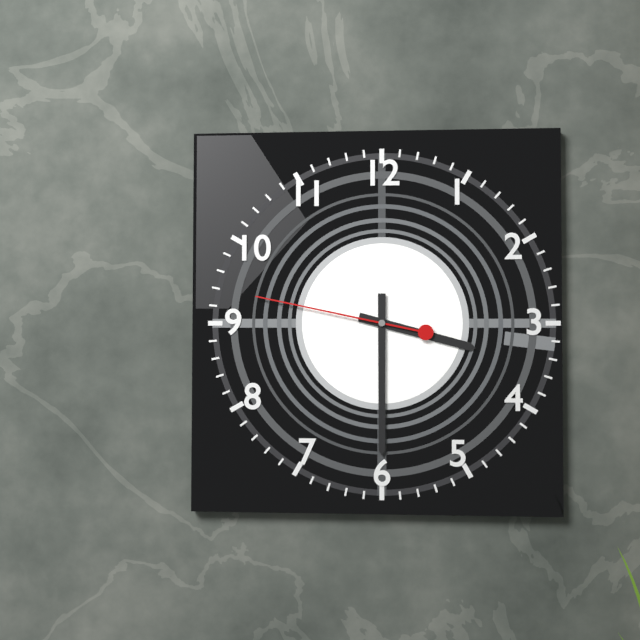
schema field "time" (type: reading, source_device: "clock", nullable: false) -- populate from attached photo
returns 3:30:47
